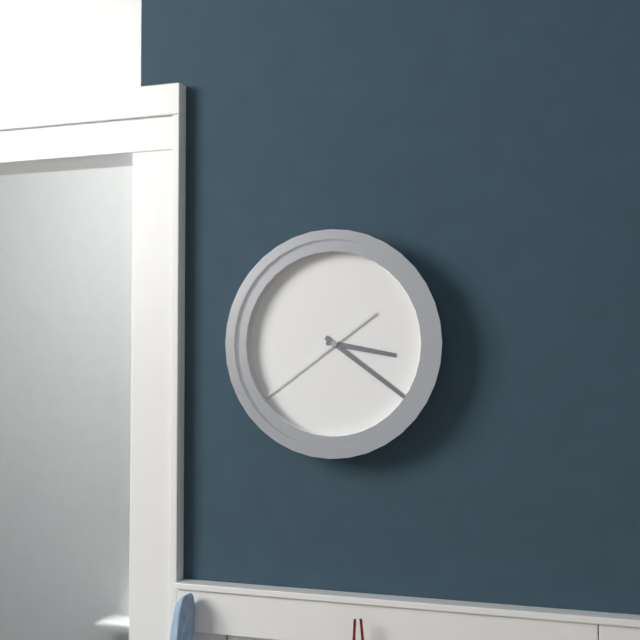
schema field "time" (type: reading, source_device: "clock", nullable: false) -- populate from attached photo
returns 3:21:39
